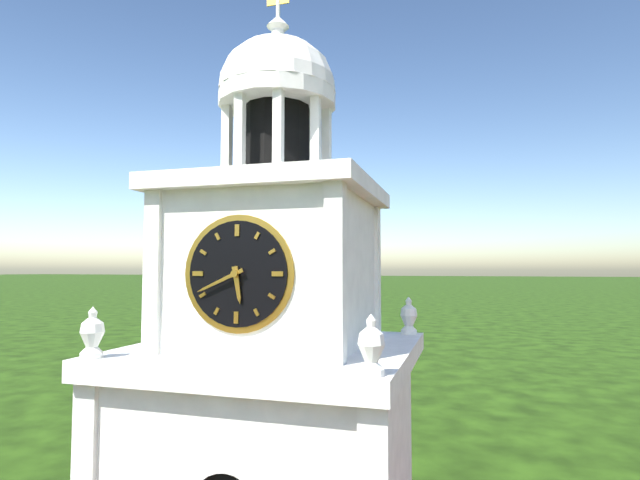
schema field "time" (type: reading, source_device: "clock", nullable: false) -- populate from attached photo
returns 5:41
